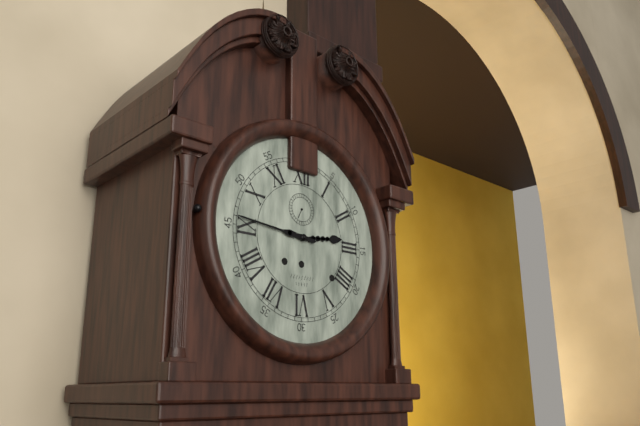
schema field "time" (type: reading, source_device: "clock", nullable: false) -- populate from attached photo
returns 2:46
